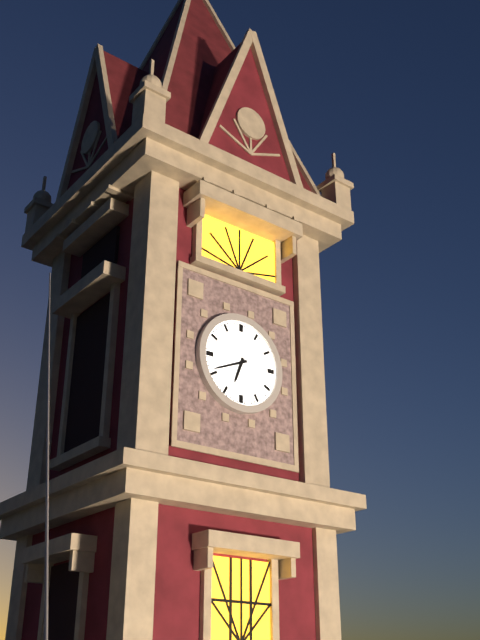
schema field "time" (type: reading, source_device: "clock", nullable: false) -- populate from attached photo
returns 6:41
